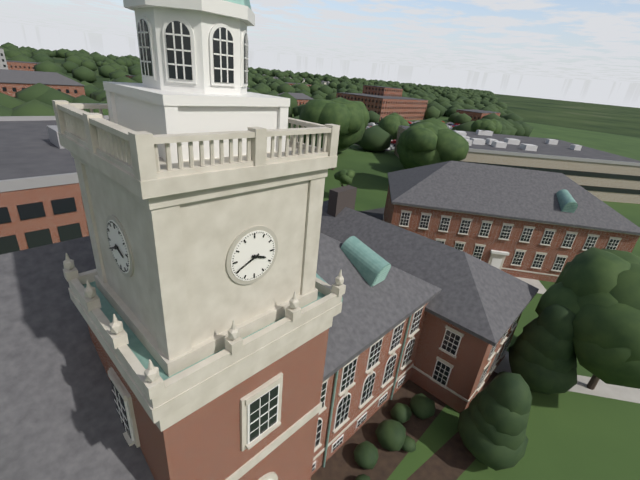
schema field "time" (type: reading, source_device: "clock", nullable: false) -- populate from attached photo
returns 3:41
